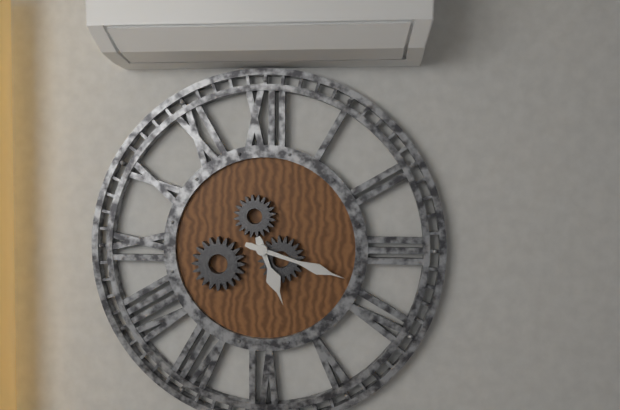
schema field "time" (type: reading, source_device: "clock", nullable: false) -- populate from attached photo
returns 5:18
